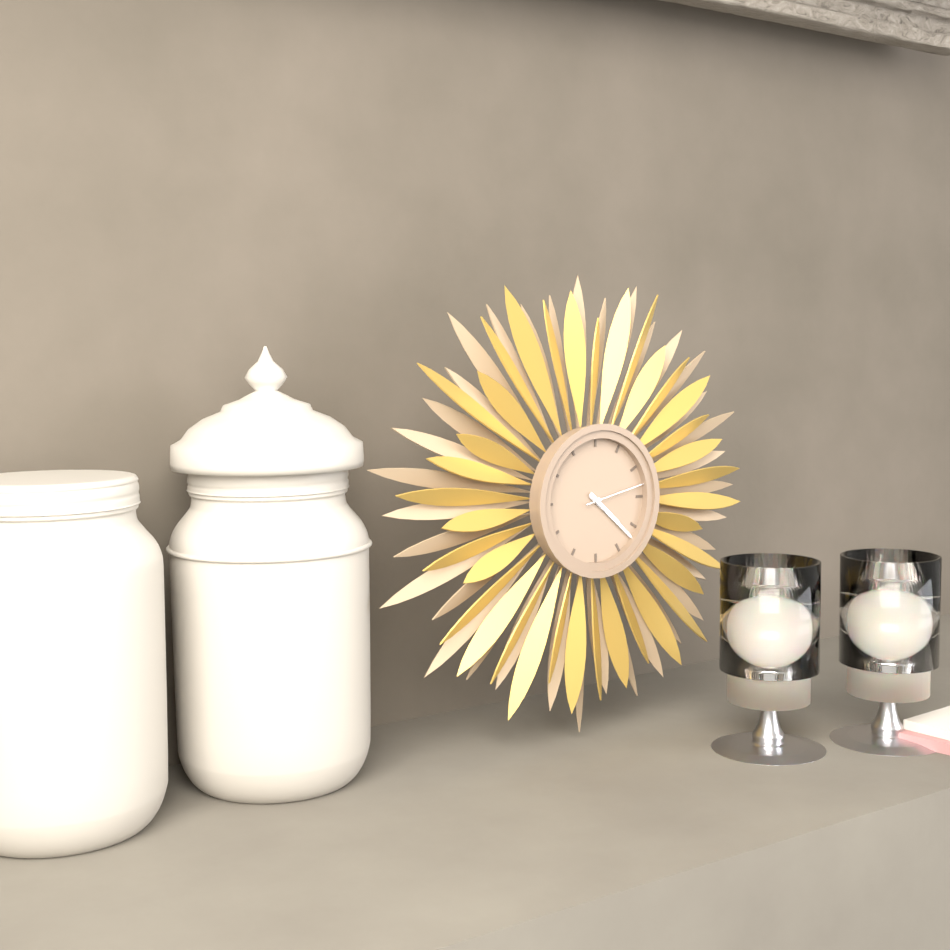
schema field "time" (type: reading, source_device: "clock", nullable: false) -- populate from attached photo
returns 4:22:13
